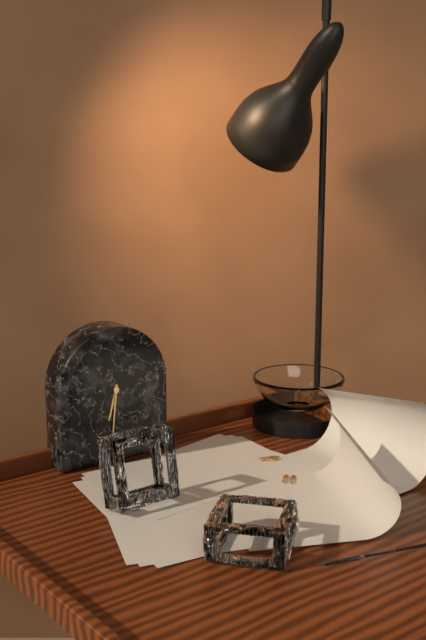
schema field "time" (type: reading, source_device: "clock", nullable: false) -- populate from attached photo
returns 6:31
